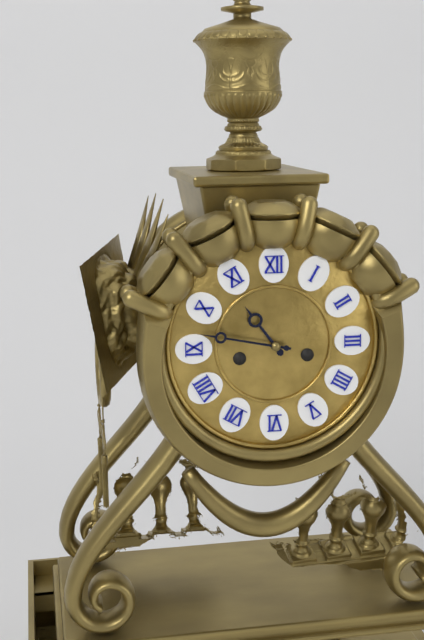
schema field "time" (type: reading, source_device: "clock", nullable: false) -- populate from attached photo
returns 10:47
